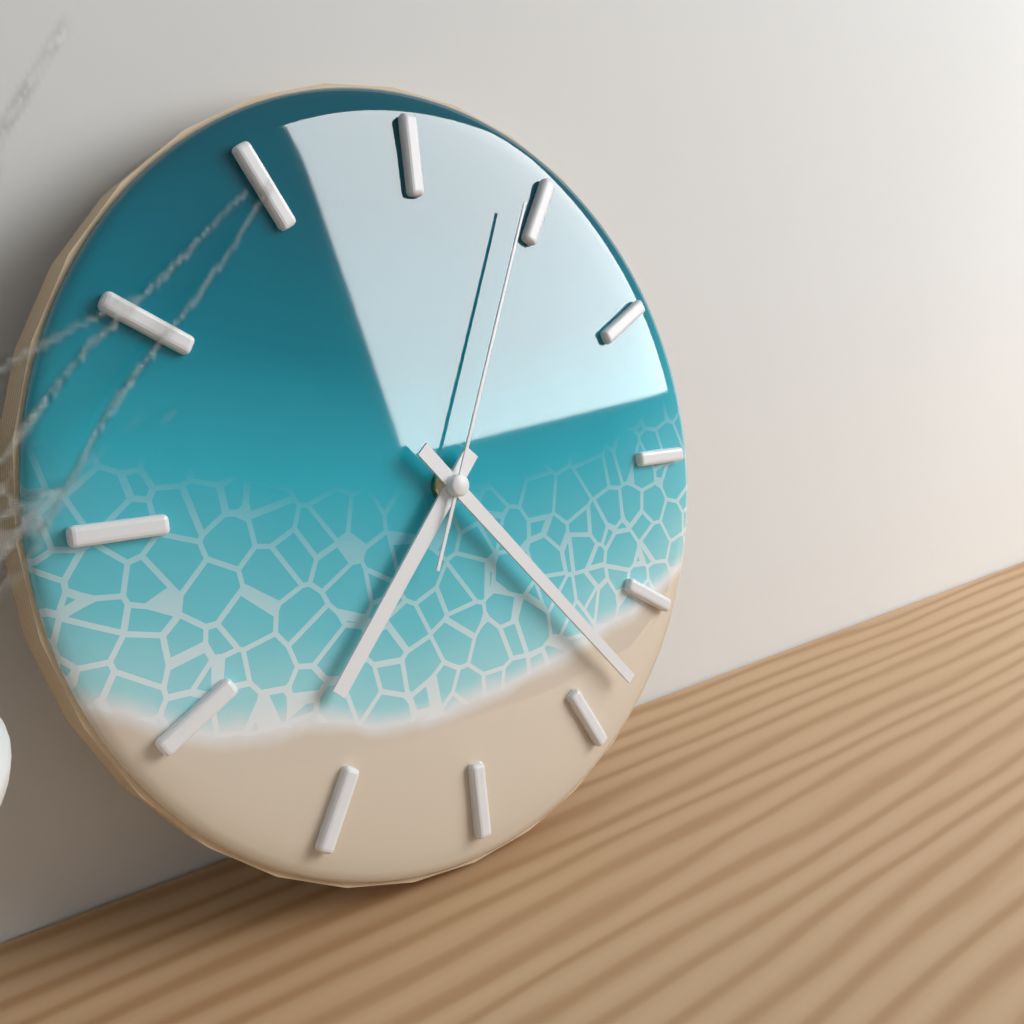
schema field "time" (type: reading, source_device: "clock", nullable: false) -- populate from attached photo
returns 7:23:04
